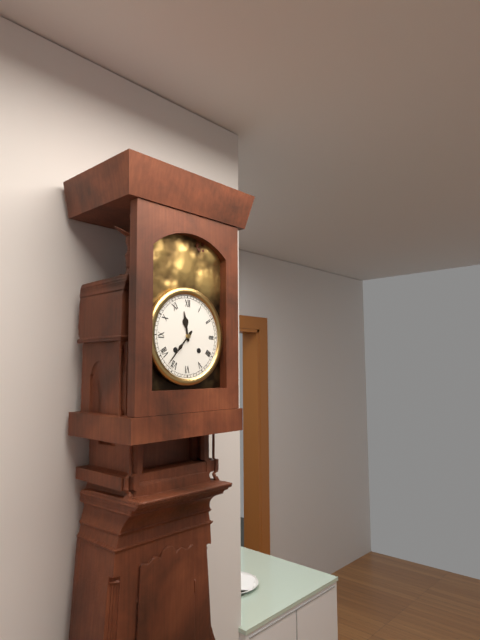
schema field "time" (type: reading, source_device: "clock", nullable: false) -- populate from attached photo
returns 11:37
